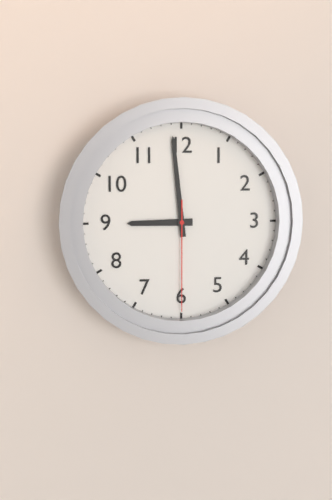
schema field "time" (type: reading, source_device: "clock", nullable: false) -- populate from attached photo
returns 8:59:30
